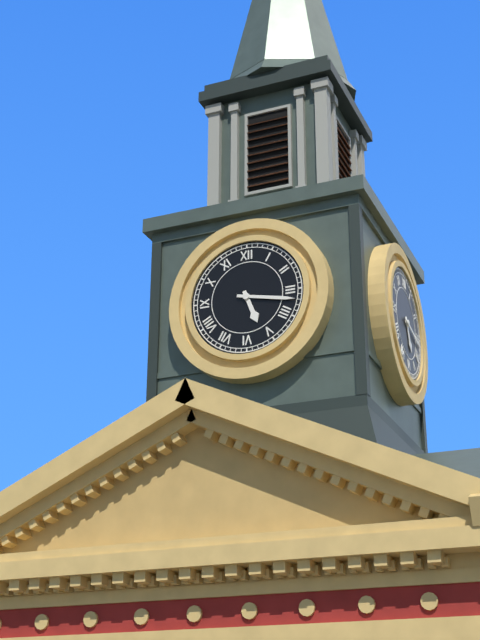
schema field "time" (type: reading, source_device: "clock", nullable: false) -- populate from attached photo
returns 5:17
